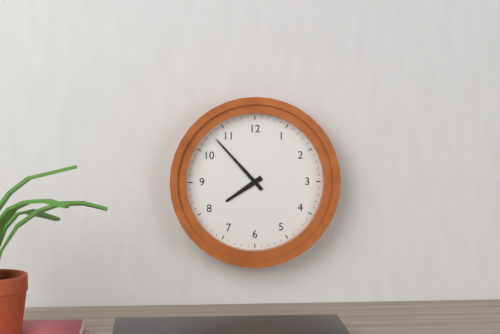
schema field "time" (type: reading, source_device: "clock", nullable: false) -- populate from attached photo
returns 7:53
